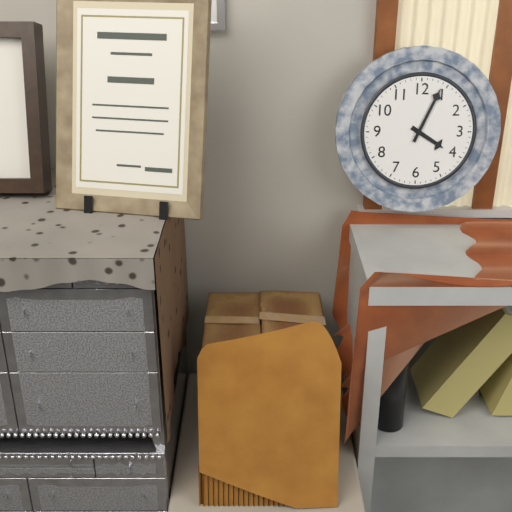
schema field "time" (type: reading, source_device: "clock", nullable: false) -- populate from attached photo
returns 4:04
